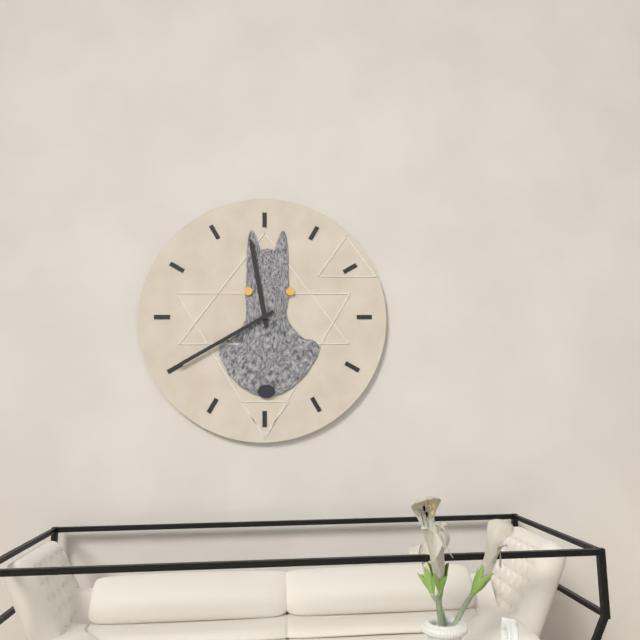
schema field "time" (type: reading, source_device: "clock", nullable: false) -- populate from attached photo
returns 11:40
